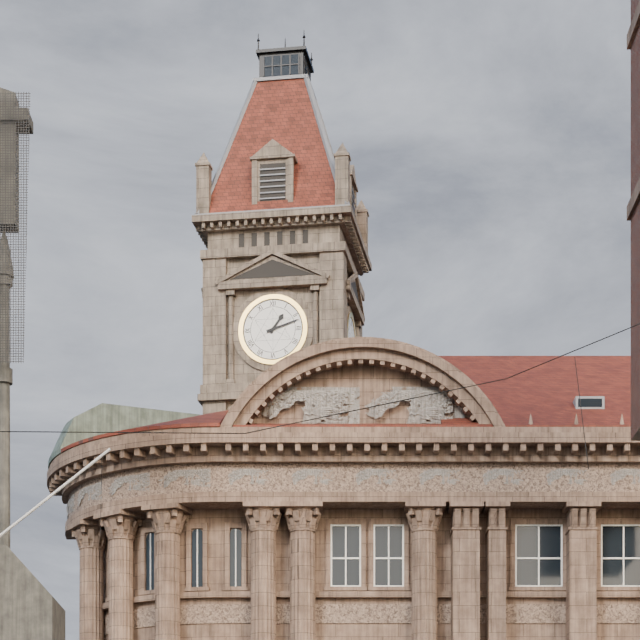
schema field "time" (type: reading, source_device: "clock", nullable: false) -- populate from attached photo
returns 1:12
